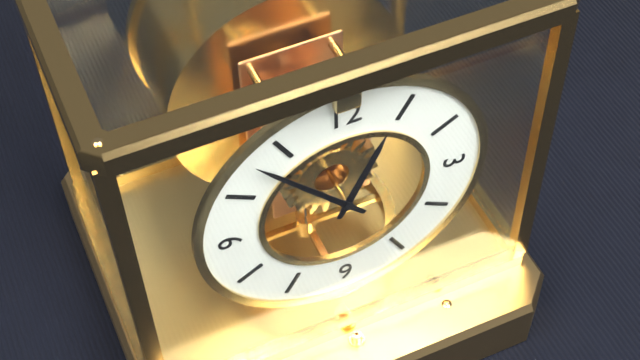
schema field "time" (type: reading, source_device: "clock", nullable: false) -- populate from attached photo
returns 12:53
